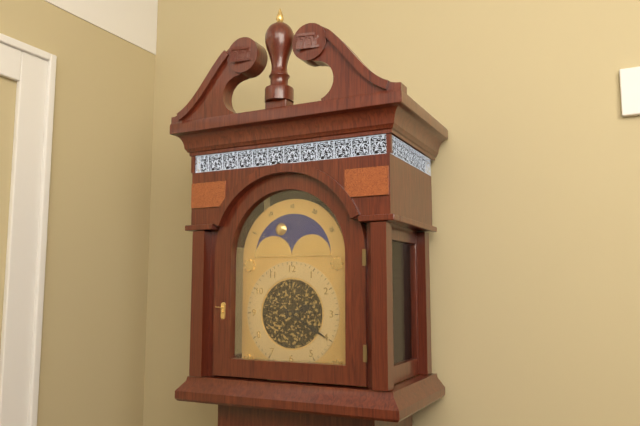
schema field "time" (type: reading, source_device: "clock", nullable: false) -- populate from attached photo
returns 2:20
